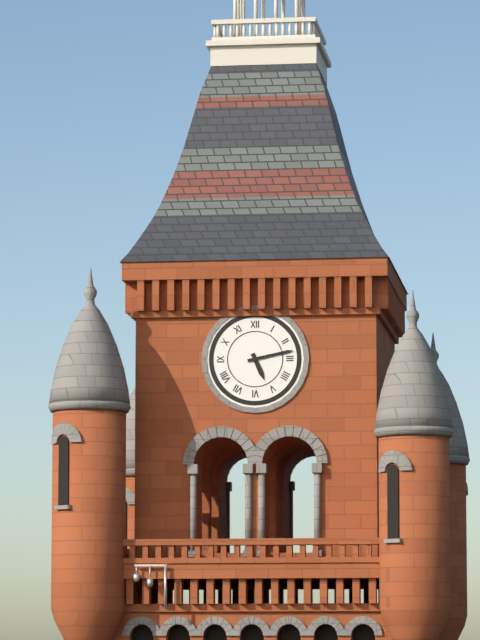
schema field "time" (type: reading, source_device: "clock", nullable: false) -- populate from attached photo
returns 5:13
